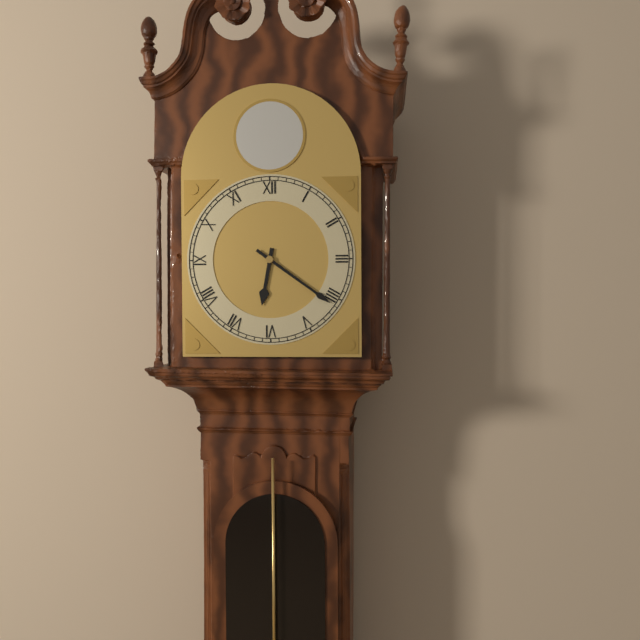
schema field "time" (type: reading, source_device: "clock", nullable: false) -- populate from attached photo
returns 6:21
